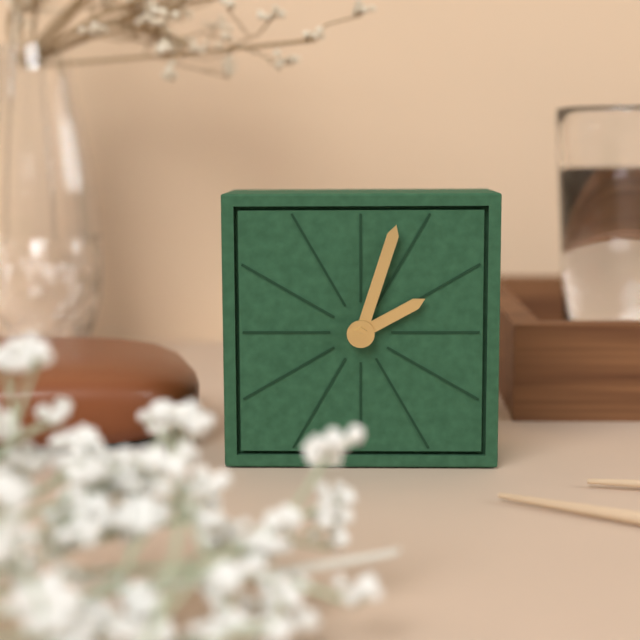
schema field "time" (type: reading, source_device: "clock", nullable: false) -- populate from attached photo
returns 2:03
